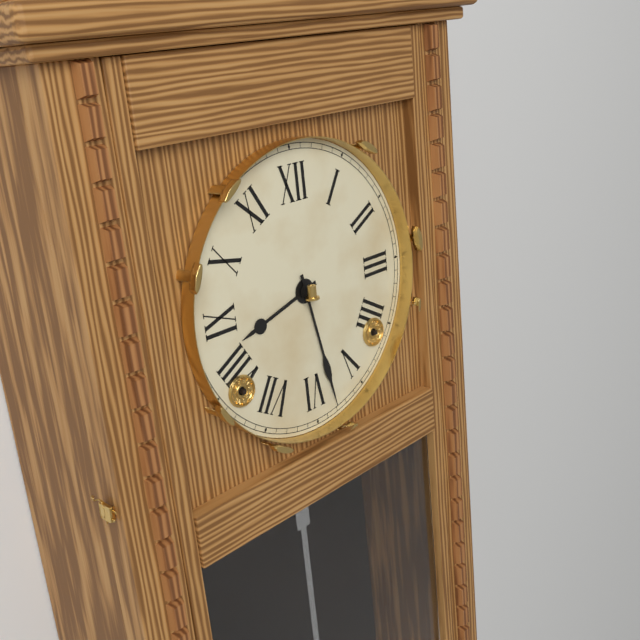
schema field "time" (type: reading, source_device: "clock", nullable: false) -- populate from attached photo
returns 8:28
